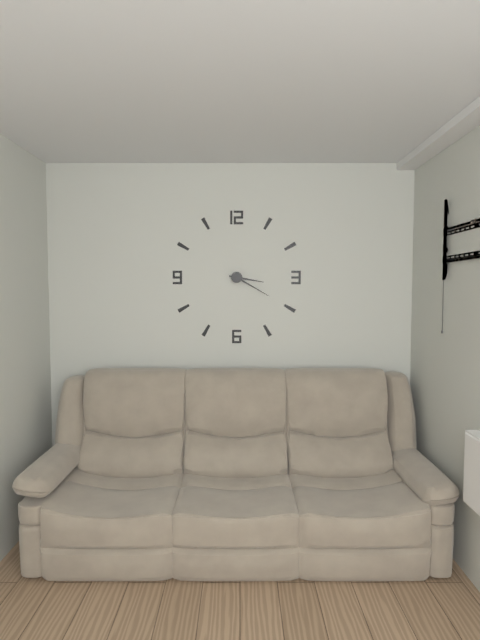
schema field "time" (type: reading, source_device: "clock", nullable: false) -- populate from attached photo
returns 3:20
